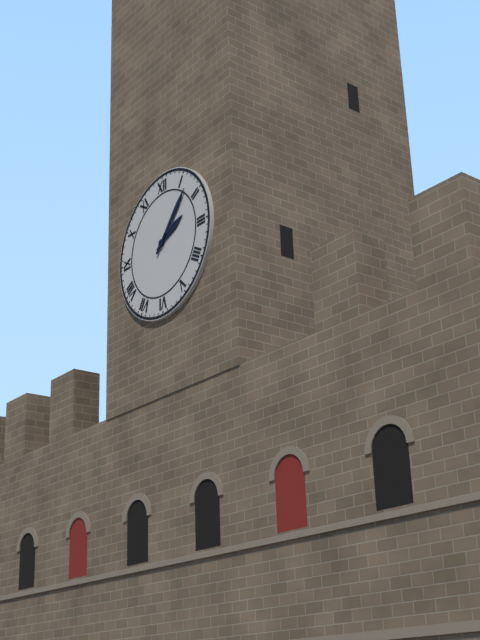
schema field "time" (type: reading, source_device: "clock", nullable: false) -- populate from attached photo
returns 2:07
